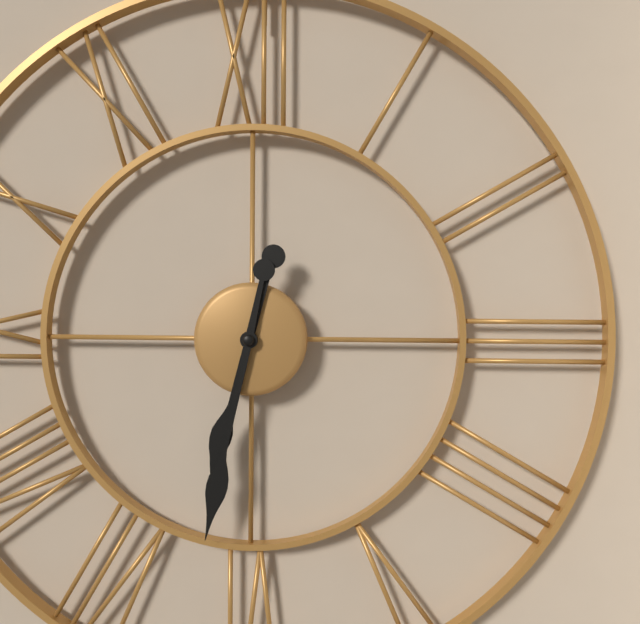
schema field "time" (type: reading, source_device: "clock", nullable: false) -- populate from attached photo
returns 6:32
